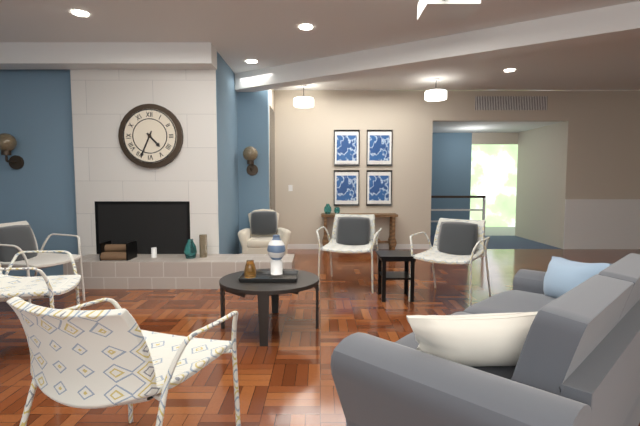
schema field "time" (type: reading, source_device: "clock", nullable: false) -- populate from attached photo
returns 4:34
